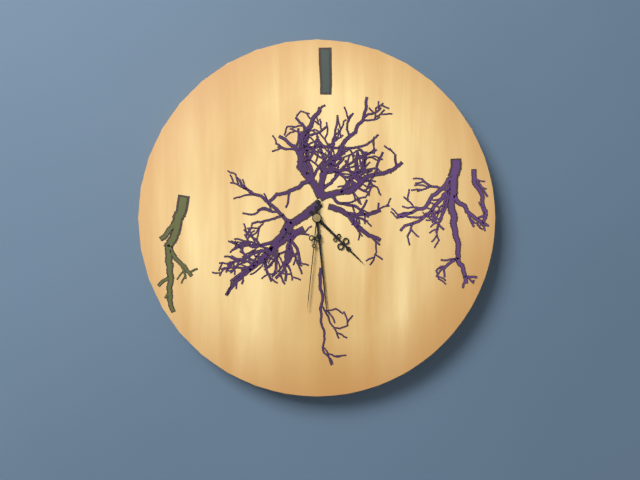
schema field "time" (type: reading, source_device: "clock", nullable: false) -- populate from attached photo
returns 4:29:31
